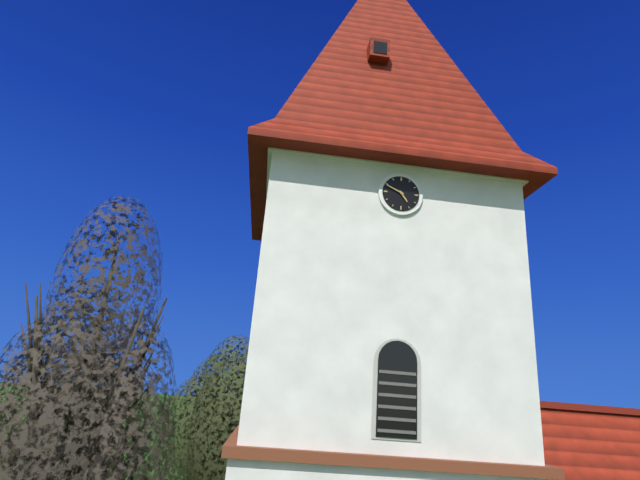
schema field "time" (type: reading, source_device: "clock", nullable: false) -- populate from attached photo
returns 4:49
